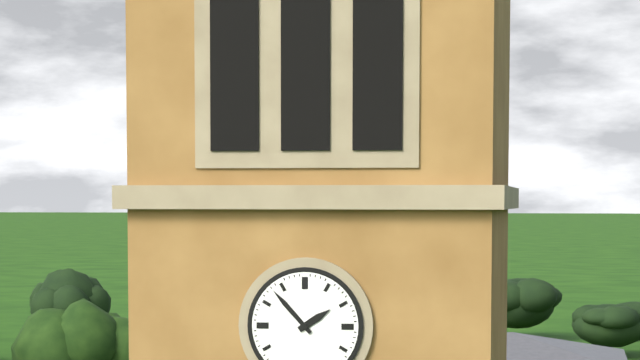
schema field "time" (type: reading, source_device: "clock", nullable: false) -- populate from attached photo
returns 1:53
